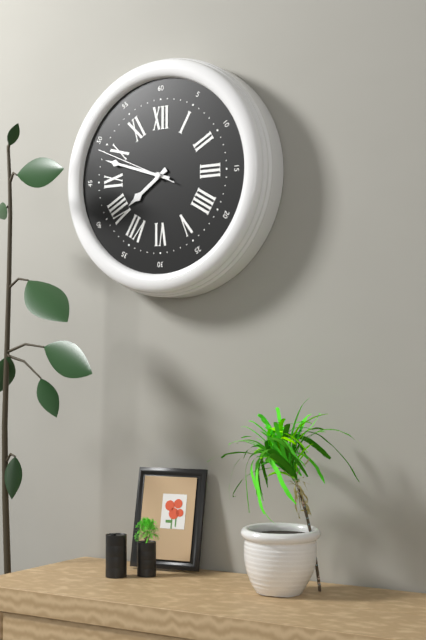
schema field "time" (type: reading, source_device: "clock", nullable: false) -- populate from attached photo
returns 7:48:49
